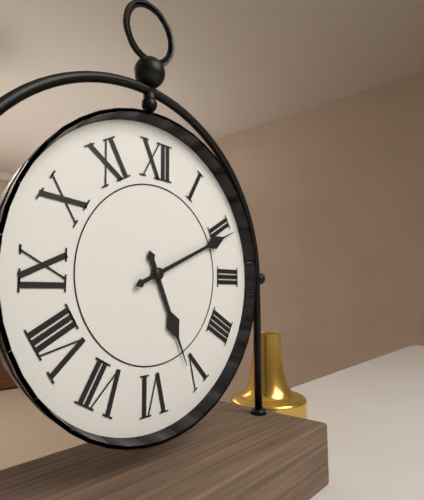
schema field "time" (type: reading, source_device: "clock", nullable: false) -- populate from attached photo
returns 5:11
